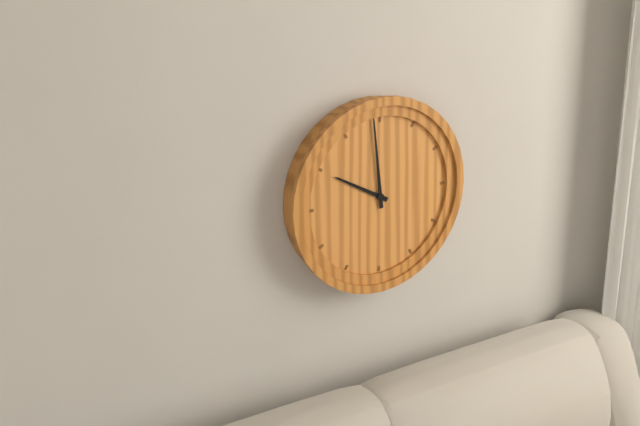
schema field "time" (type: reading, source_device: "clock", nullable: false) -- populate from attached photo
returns 9:59
